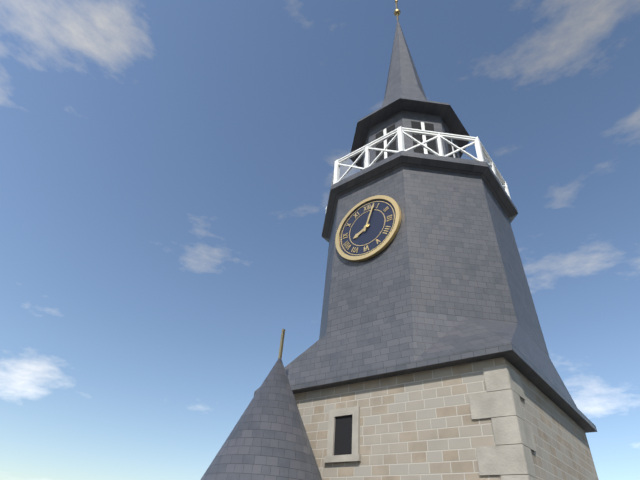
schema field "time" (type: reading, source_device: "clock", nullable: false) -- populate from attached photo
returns 8:03
